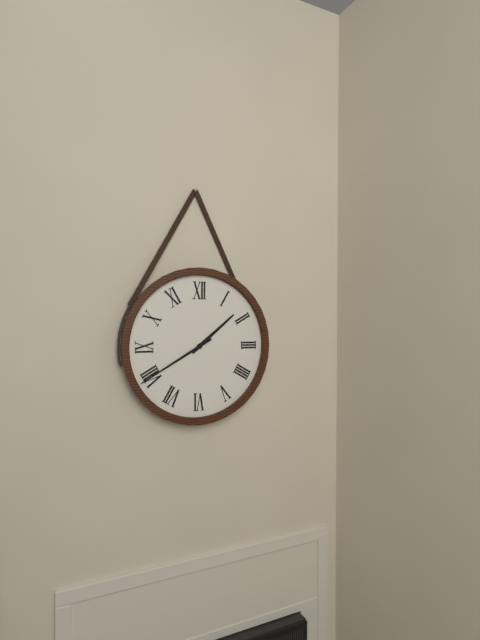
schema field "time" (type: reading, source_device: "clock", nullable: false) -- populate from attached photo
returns 1:40
